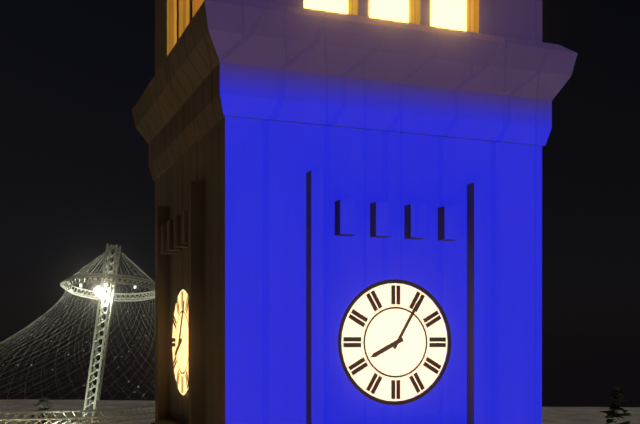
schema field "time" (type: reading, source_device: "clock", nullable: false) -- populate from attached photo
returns 8:05
